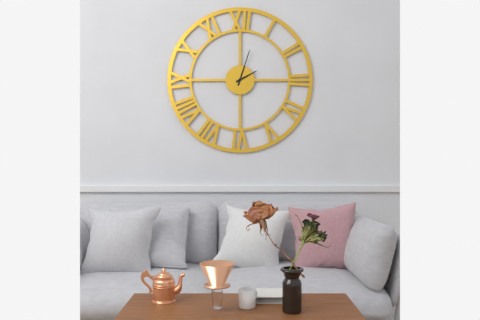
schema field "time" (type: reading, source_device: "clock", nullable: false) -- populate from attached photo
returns 2:03
